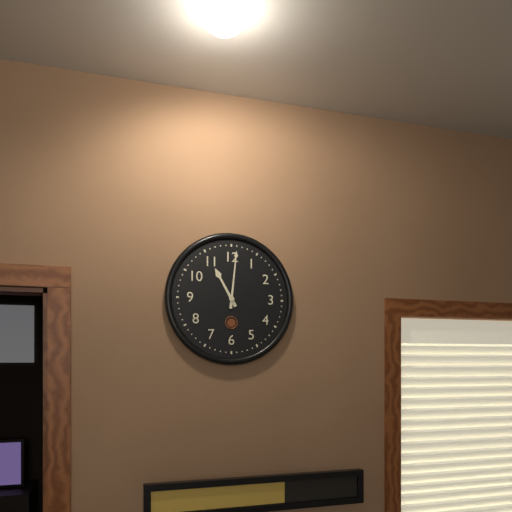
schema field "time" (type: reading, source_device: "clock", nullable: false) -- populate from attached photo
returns 11:01
